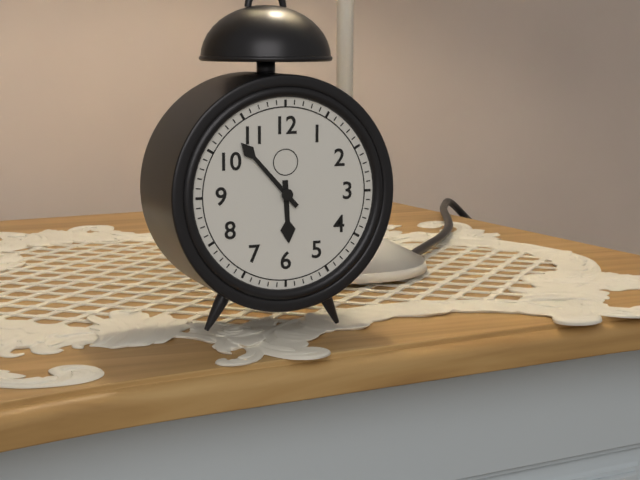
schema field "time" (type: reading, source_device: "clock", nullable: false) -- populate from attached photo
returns 5:53
